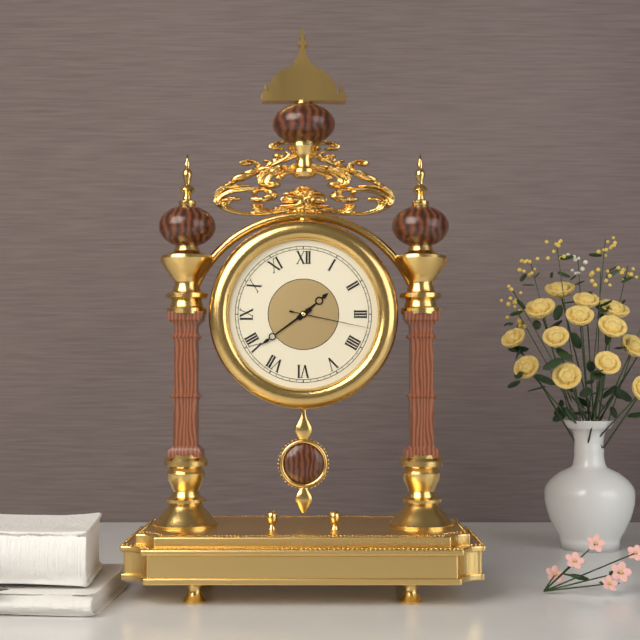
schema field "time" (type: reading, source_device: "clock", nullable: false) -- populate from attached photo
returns 1:39:17
